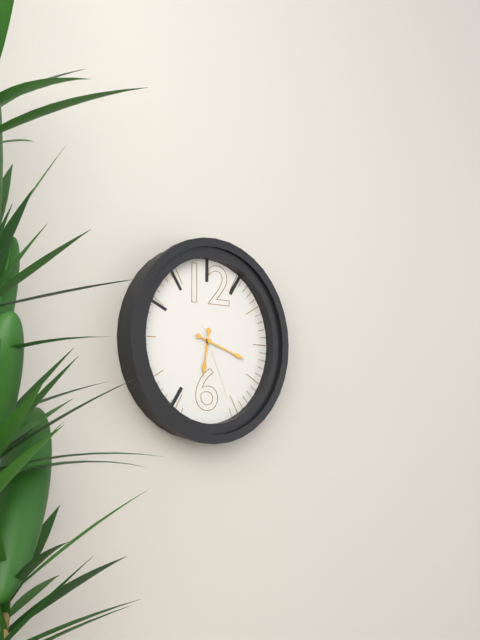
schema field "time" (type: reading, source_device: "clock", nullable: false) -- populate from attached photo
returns 6:18:26
